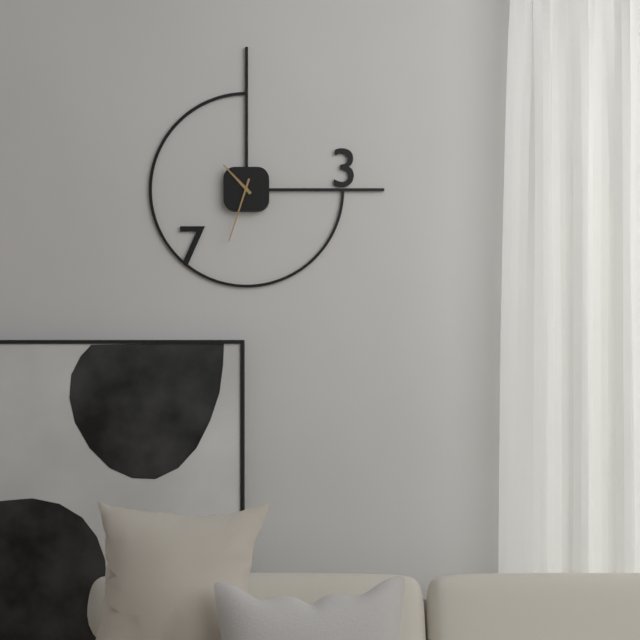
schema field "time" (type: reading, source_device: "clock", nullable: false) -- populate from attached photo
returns 10:33
